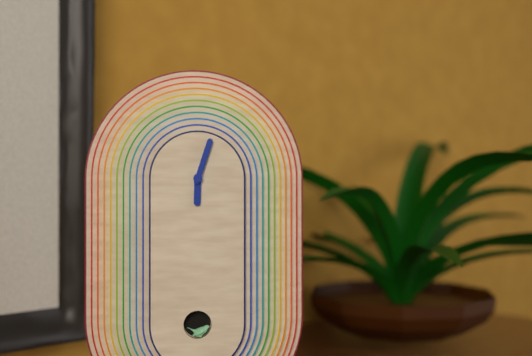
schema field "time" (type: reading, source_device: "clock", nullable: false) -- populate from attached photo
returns 6:03
